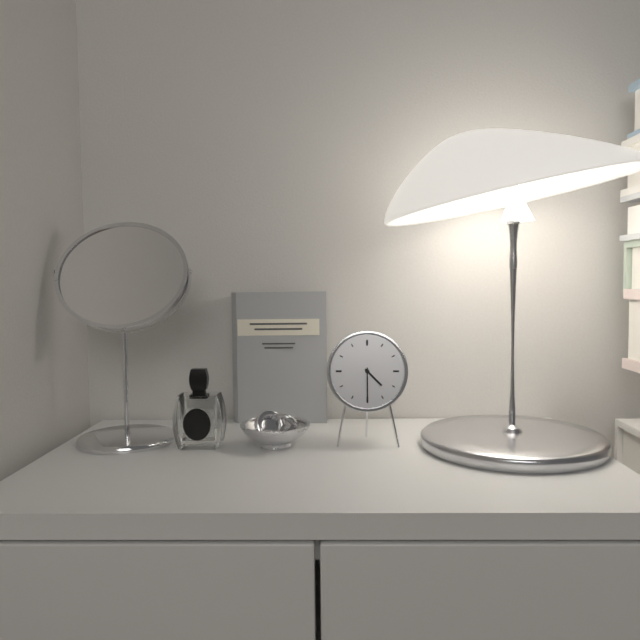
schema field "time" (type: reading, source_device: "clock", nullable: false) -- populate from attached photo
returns 4:30
